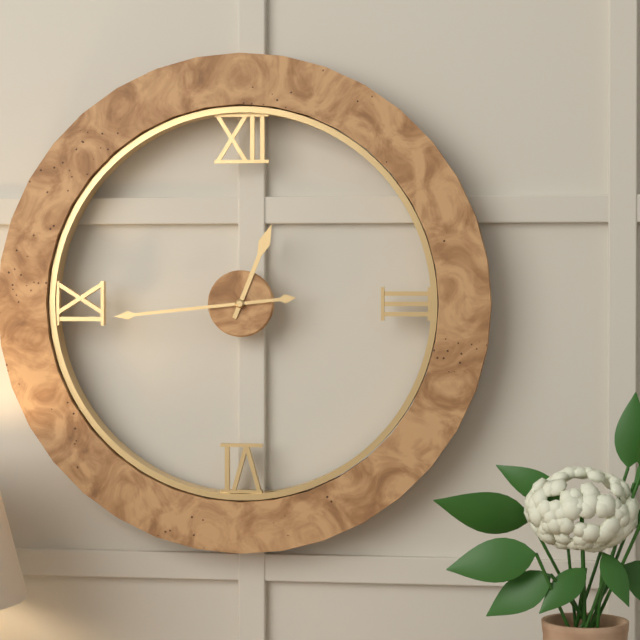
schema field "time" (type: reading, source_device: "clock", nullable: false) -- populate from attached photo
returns 12:44
